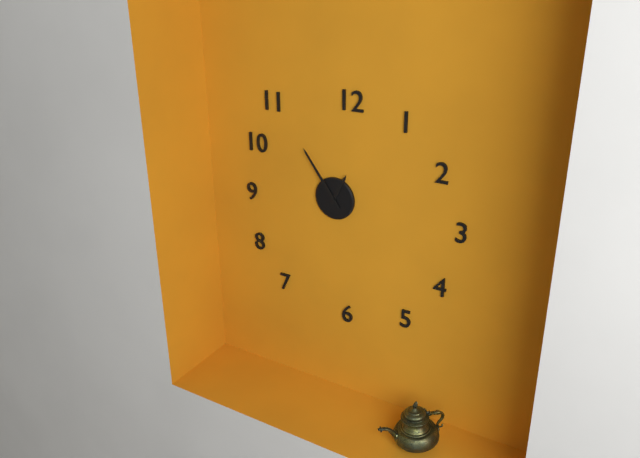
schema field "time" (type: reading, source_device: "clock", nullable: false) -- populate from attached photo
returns 12:54
